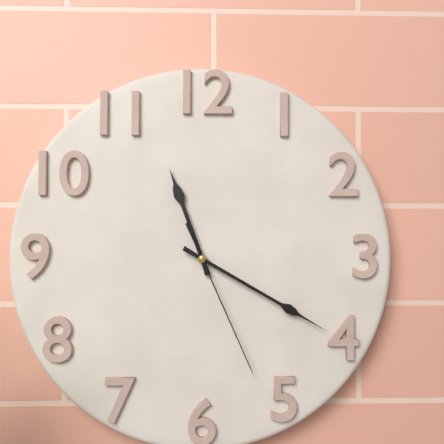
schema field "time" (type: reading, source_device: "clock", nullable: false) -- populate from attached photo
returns 11:20:26
